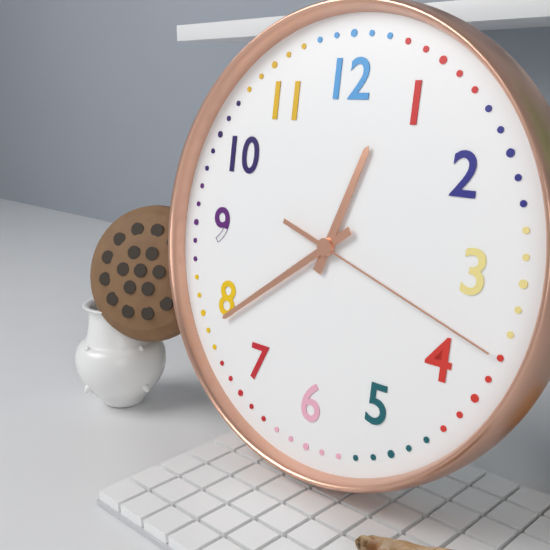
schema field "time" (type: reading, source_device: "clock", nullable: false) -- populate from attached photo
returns 12:39:18
